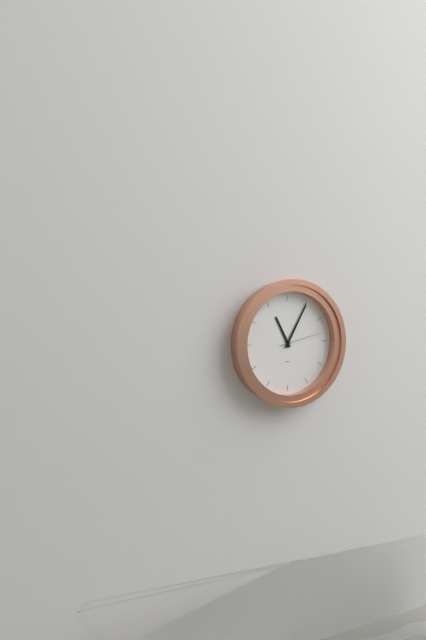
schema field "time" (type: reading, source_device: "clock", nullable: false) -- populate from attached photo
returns 11:05
